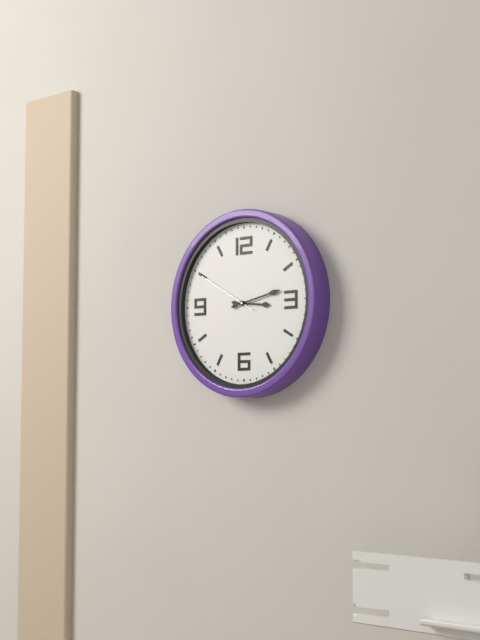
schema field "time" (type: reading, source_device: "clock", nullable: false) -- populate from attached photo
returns 3:13:50
